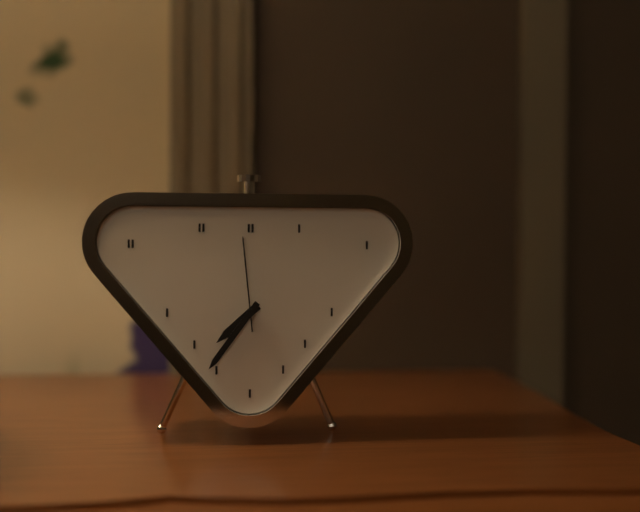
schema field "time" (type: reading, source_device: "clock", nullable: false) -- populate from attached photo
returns 7:36:59
